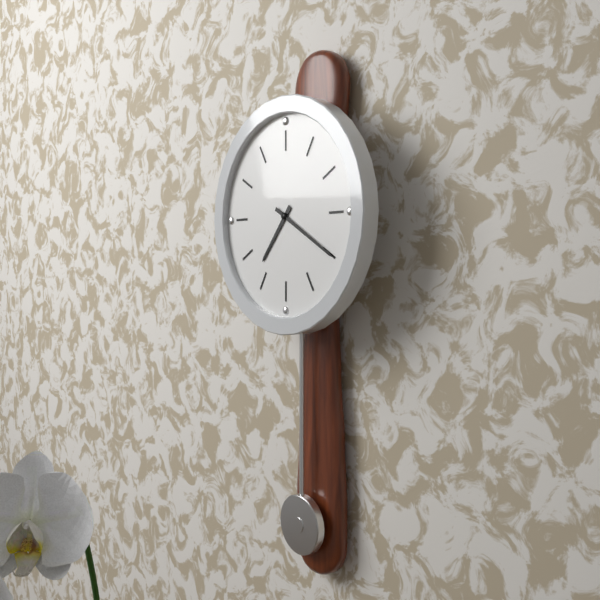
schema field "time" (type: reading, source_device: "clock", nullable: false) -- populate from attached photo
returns 7:20
